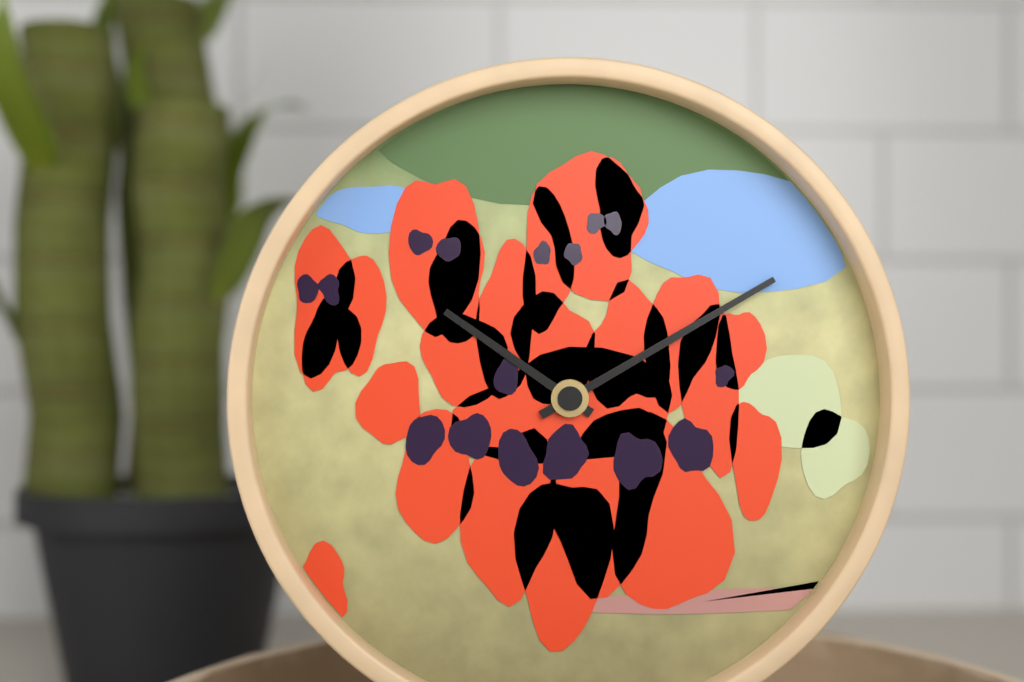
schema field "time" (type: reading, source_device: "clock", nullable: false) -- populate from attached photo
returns 10:10
